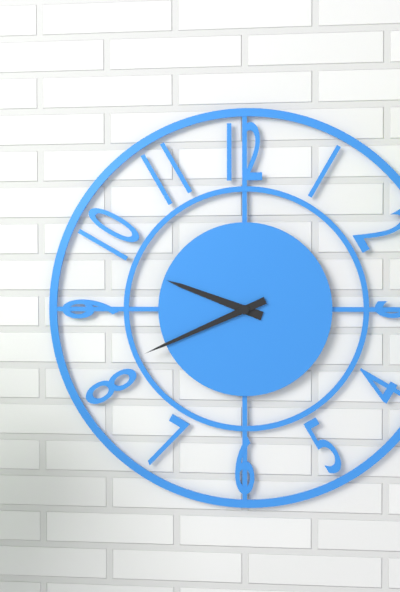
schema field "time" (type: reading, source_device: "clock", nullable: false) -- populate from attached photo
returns 9:41
